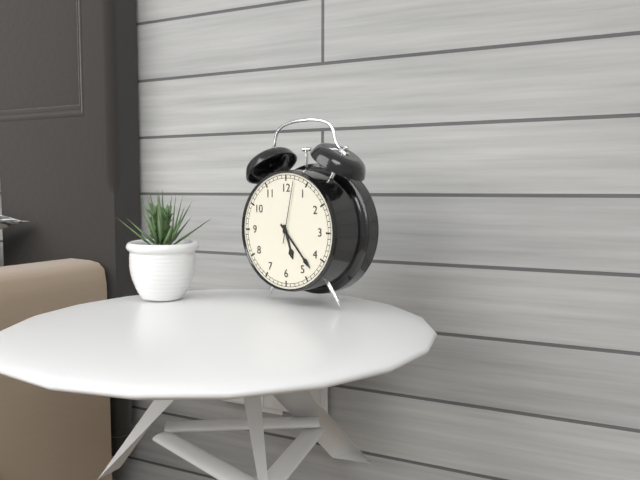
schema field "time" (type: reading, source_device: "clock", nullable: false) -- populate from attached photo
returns 5:23:02
